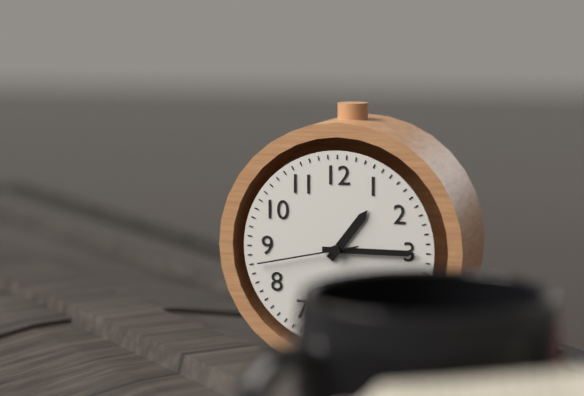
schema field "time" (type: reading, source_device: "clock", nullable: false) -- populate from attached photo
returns 1:15:43
